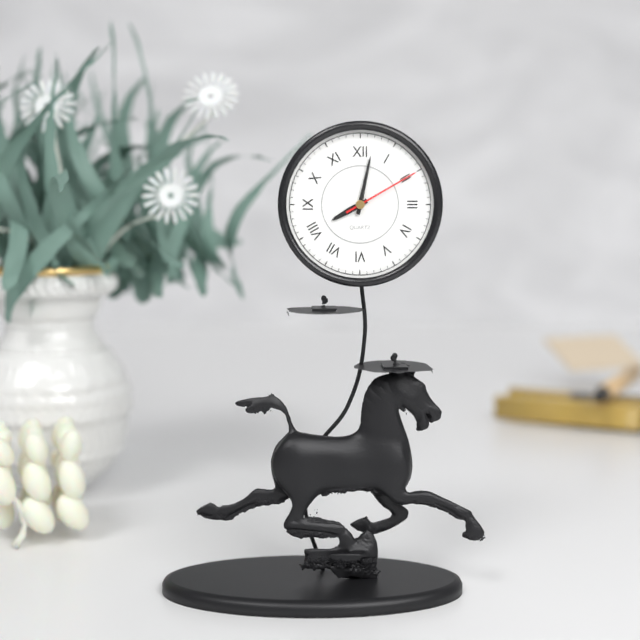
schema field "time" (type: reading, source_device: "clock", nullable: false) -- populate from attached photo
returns 8:02:10
